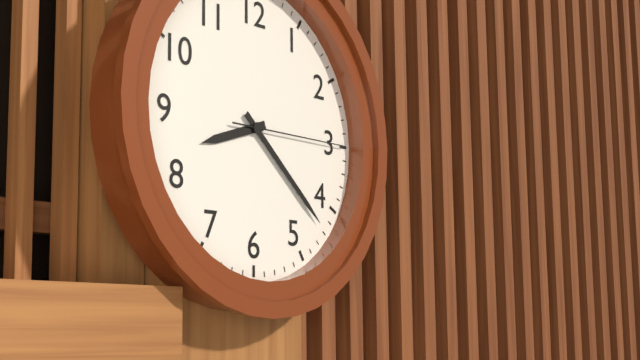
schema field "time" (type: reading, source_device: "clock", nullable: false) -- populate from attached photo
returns 8:22:15
